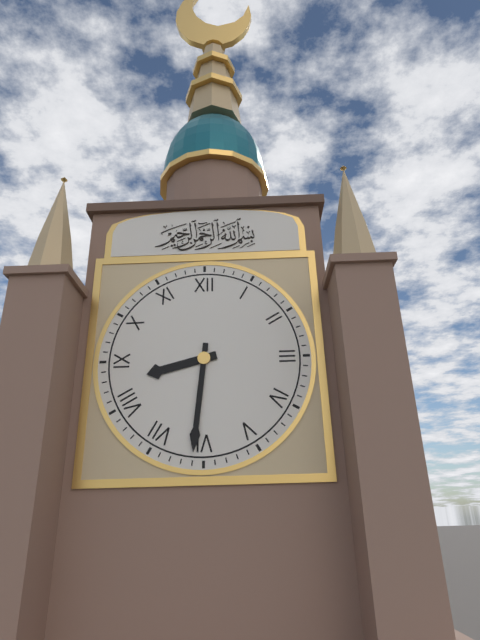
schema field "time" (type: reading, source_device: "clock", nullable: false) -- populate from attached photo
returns 8:31
